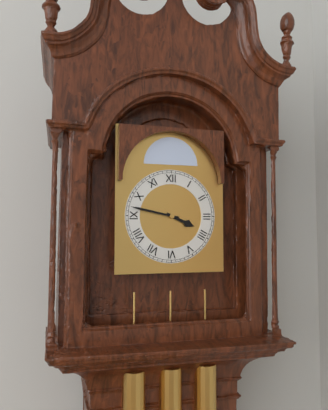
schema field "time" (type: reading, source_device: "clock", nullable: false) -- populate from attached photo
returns 3:47
